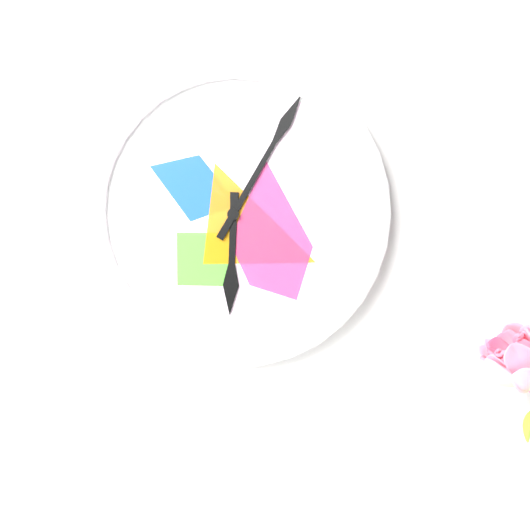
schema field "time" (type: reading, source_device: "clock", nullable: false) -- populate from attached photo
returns 6:05
